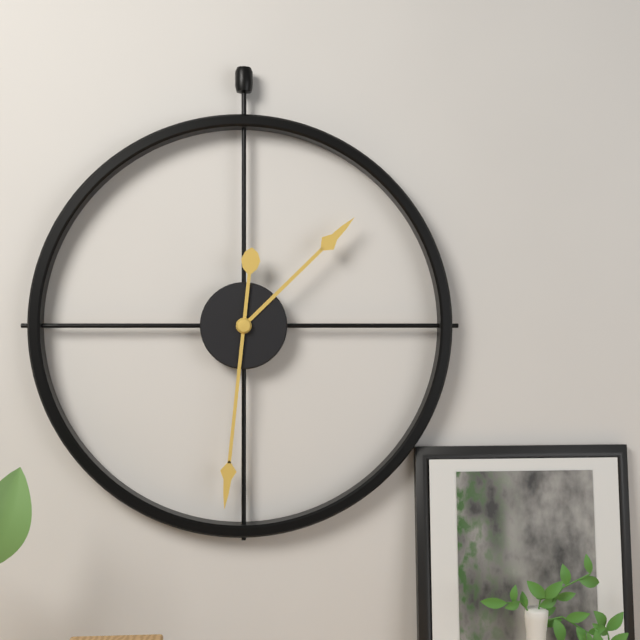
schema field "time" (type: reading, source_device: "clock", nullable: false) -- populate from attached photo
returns 1:31
